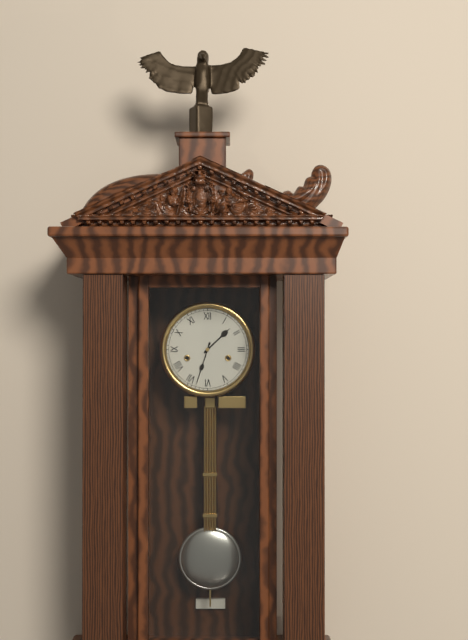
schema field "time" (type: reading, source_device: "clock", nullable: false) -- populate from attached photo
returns 1:33
